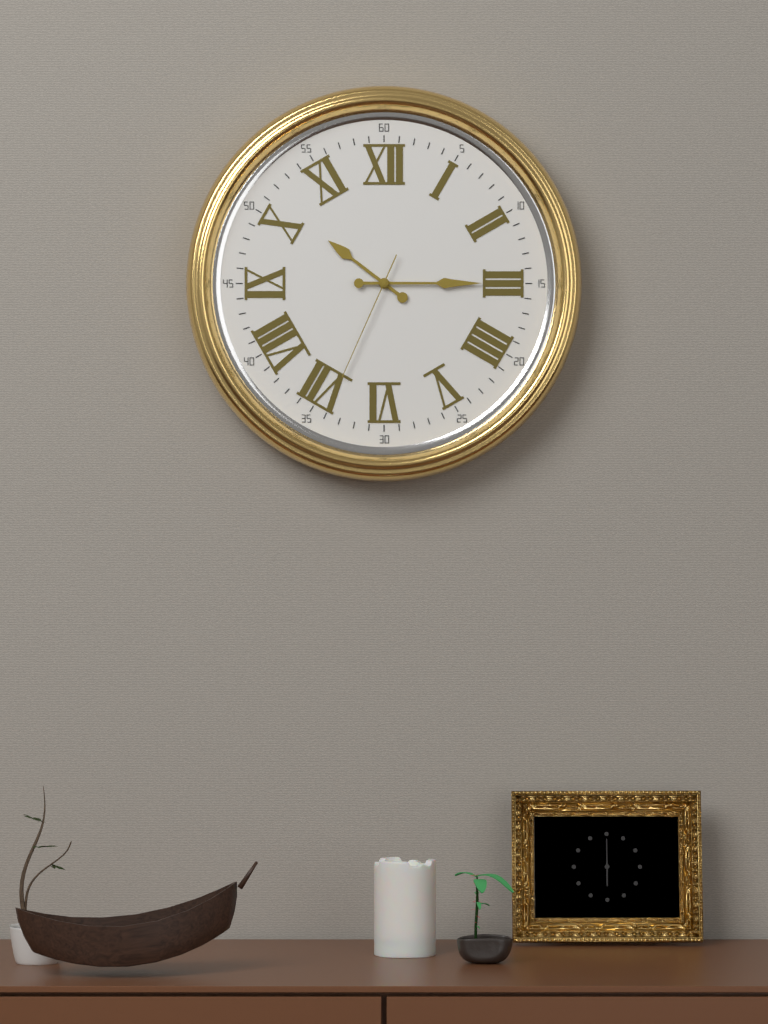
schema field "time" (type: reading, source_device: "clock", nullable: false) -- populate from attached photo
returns 10:15:34
